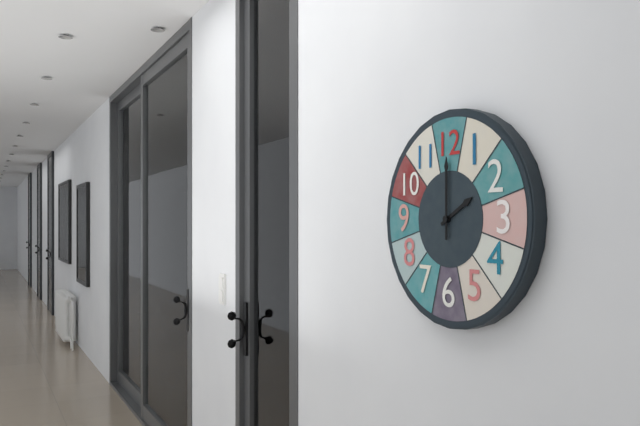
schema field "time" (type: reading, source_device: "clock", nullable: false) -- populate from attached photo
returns 2:00
